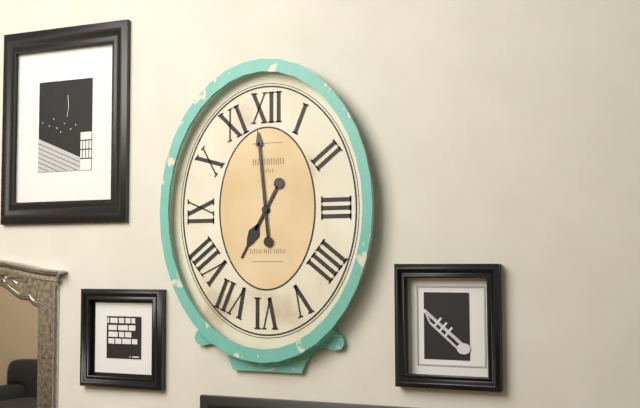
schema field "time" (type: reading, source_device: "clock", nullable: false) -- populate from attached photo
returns 6:59
